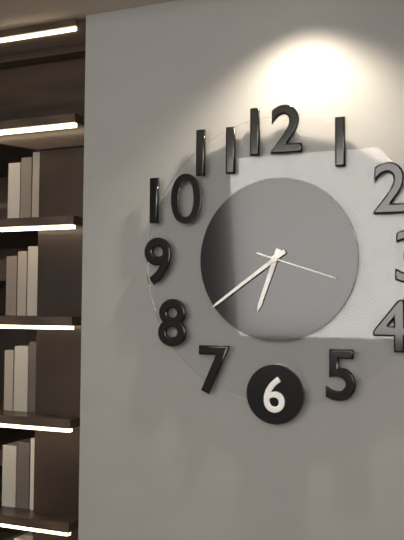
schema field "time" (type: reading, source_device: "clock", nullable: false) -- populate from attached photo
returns 6:39:18
